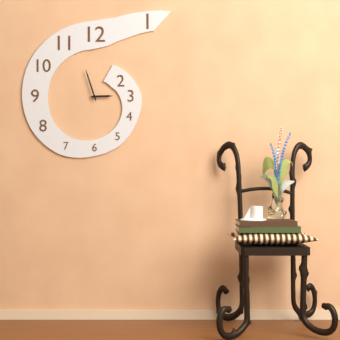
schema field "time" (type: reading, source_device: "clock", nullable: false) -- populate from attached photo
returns 2:57
